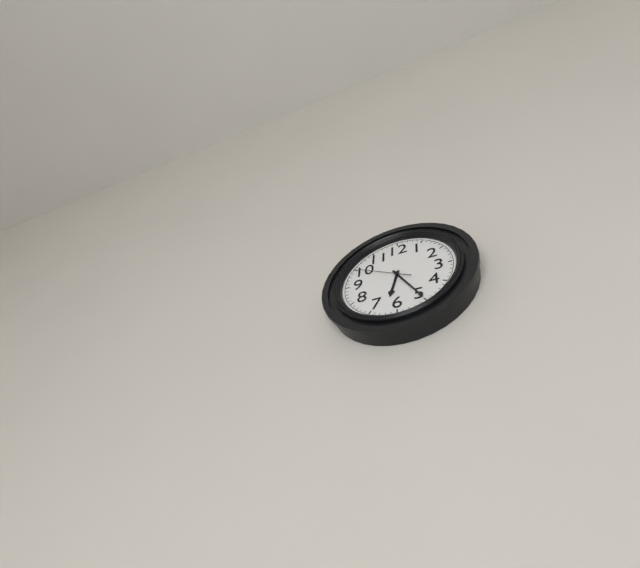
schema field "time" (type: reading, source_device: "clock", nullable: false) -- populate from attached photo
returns 6:25:50
